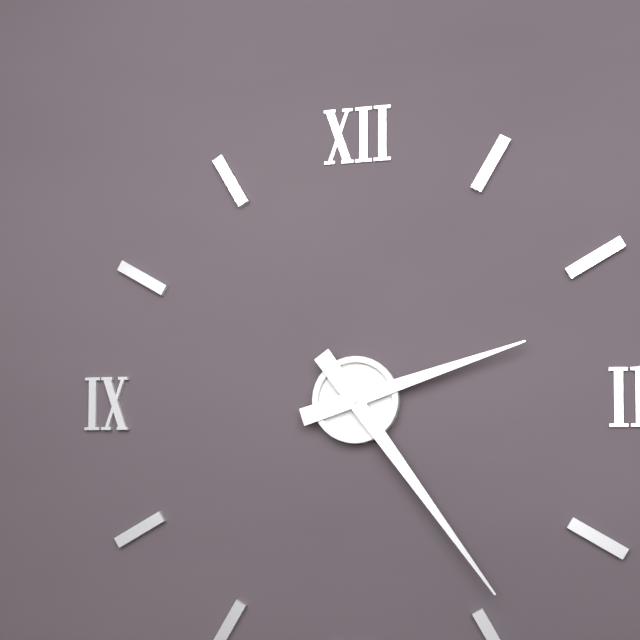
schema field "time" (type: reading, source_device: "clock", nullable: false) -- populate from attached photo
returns 2:24
